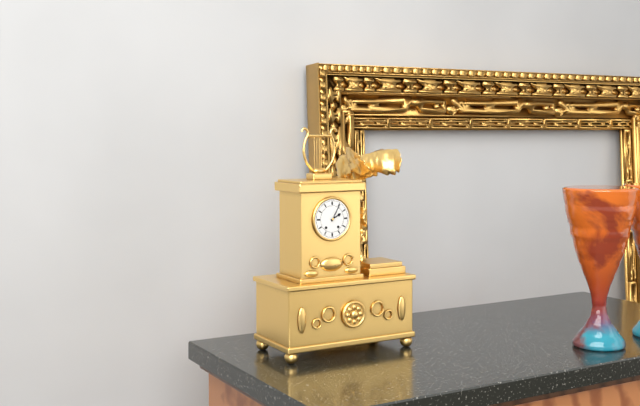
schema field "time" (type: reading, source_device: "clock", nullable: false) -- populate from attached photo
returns 2:05
